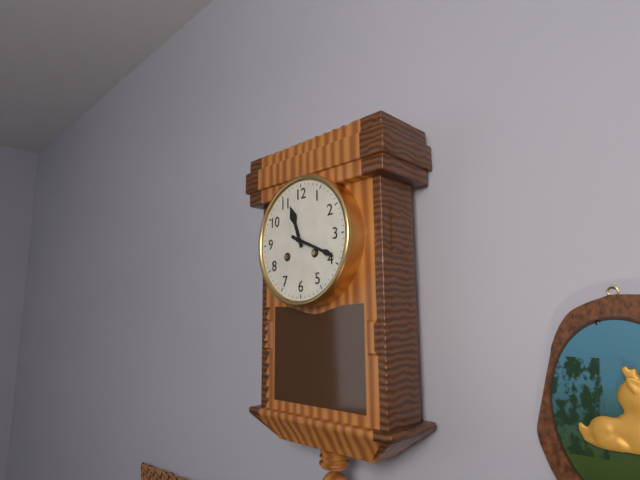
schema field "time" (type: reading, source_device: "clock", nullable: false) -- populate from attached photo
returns 11:19
